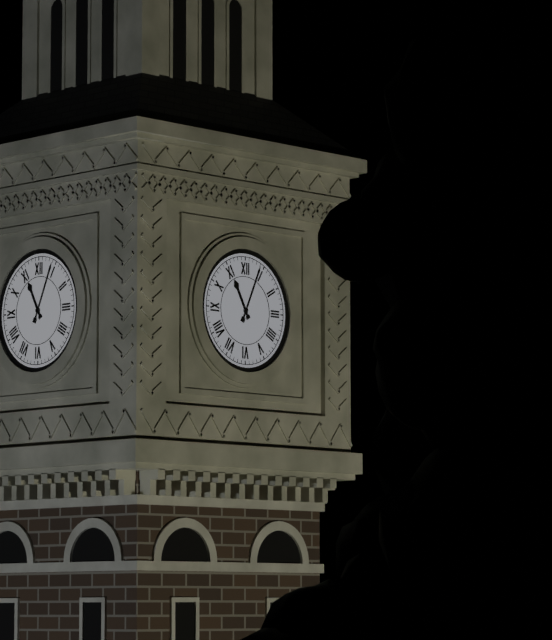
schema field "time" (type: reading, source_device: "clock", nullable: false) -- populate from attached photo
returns 11:04
